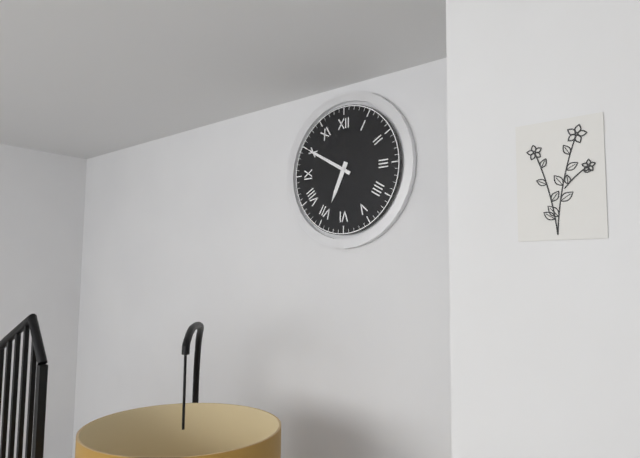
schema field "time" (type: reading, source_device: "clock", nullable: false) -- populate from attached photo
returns 6:50
